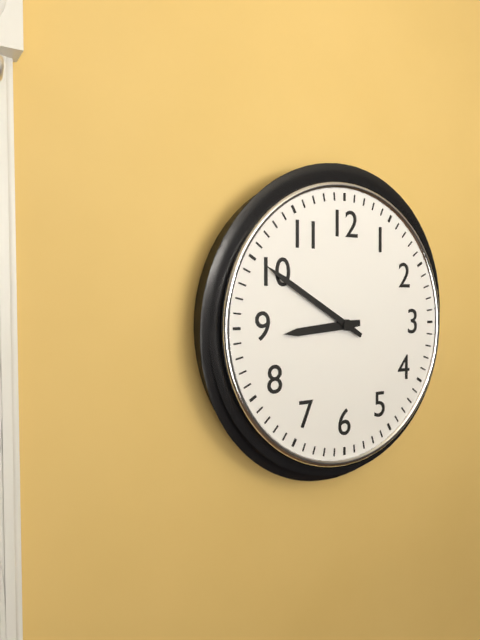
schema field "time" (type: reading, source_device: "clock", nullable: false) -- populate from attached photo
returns 8:50
